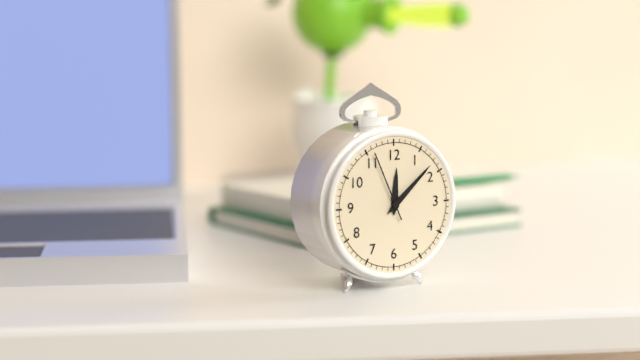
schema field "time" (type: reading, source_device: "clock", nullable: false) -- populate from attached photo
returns 12:08:56
